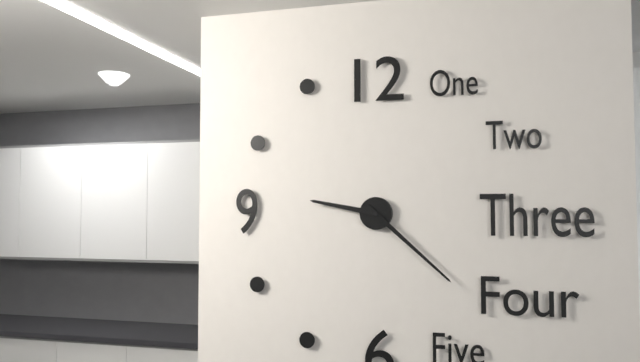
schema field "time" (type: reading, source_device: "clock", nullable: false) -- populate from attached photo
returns 9:22
